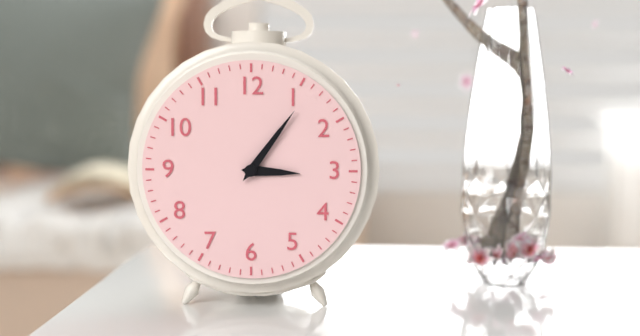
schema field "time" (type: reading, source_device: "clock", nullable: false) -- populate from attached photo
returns 3:06
